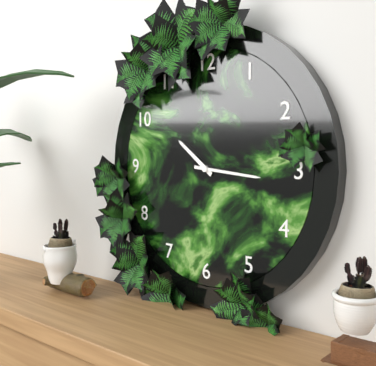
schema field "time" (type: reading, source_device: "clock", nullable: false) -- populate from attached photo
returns 10:16
